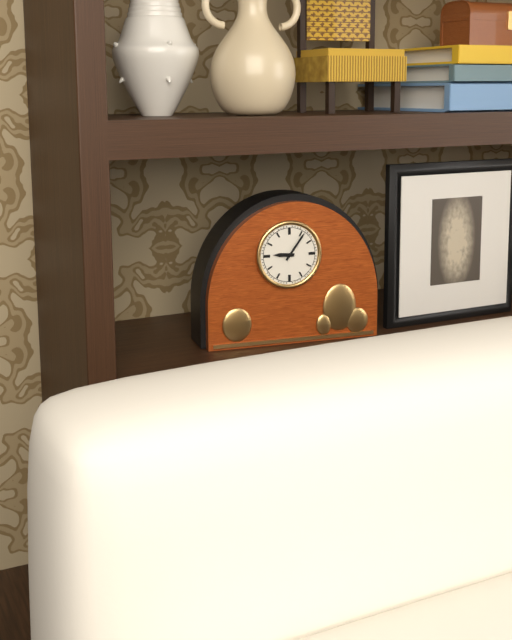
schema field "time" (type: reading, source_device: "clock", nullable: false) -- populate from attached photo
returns 9:06
